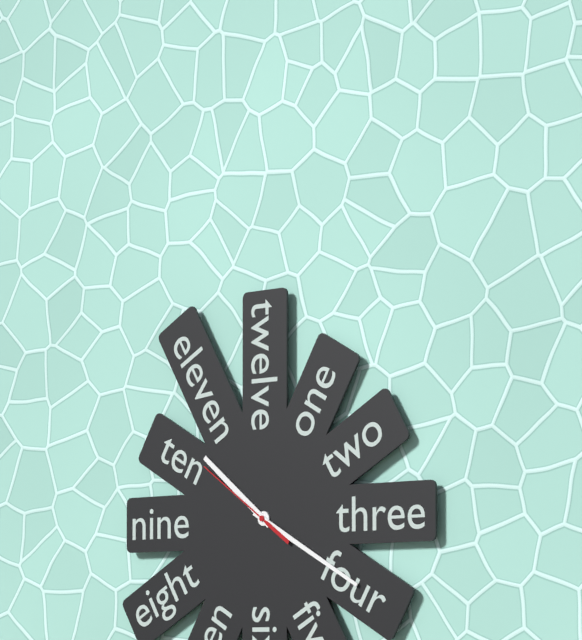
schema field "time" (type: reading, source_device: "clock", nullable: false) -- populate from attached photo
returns 10:20:51
